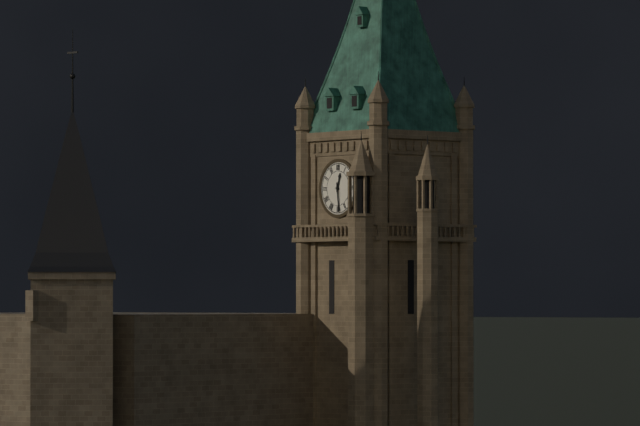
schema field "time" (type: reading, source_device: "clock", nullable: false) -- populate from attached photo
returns 12:29
